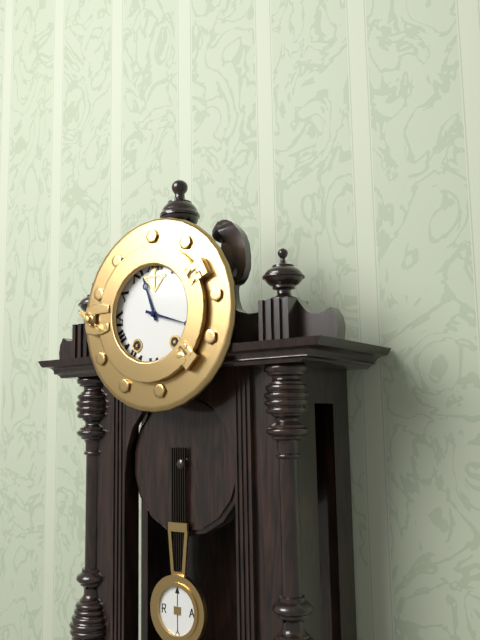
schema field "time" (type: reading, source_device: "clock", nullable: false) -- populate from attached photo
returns 11:18
